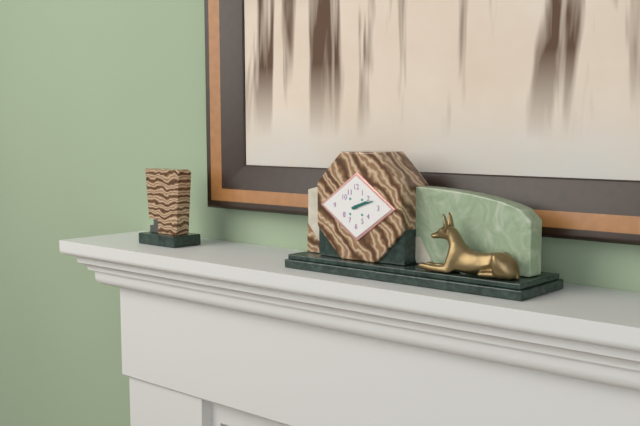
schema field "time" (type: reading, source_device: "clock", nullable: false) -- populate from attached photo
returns 2:12
